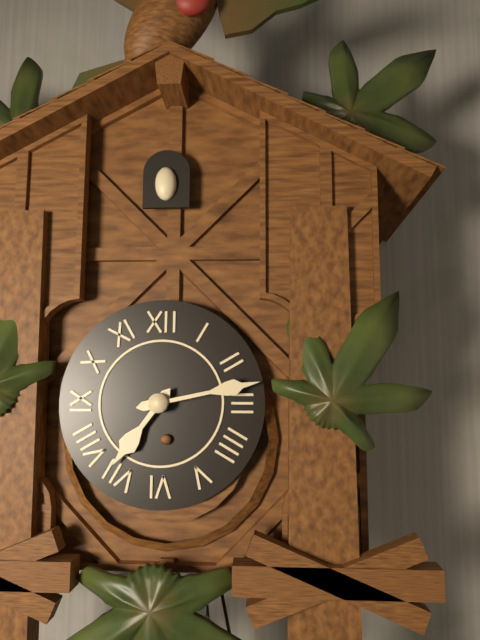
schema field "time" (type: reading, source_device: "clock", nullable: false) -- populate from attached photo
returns 7:13
